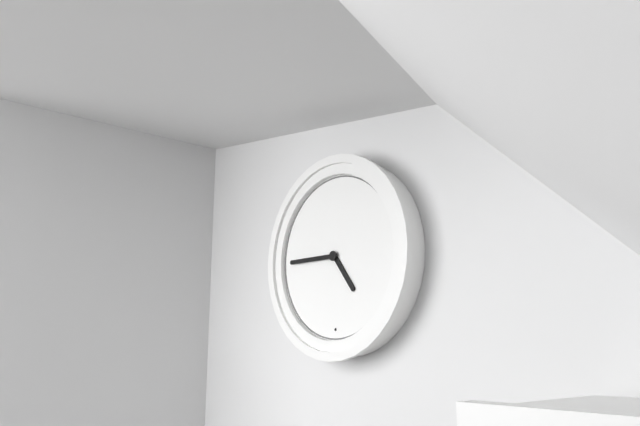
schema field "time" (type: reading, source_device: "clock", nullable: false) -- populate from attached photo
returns 4:45
